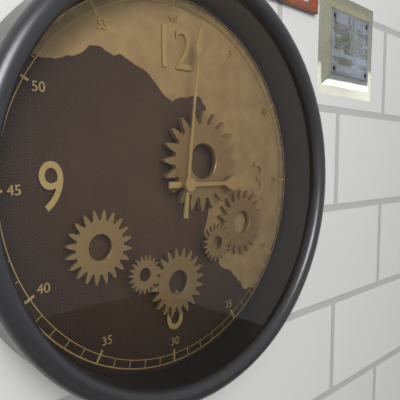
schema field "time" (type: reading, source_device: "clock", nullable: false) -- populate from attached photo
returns 3:01
